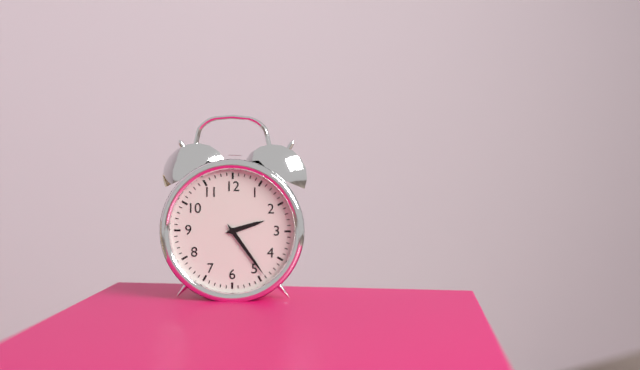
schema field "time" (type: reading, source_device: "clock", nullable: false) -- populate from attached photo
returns 2:24
